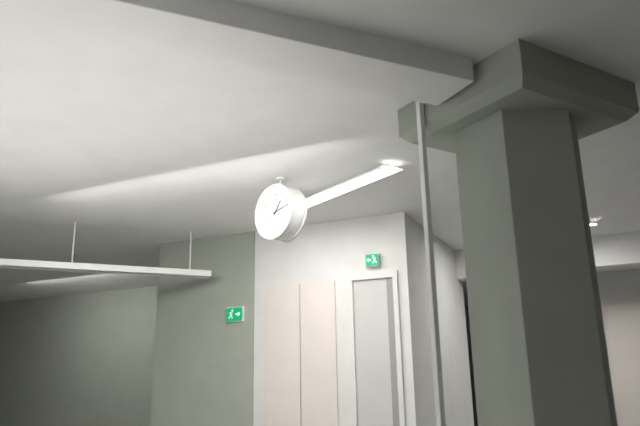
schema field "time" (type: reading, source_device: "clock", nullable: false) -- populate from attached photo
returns 1:13
